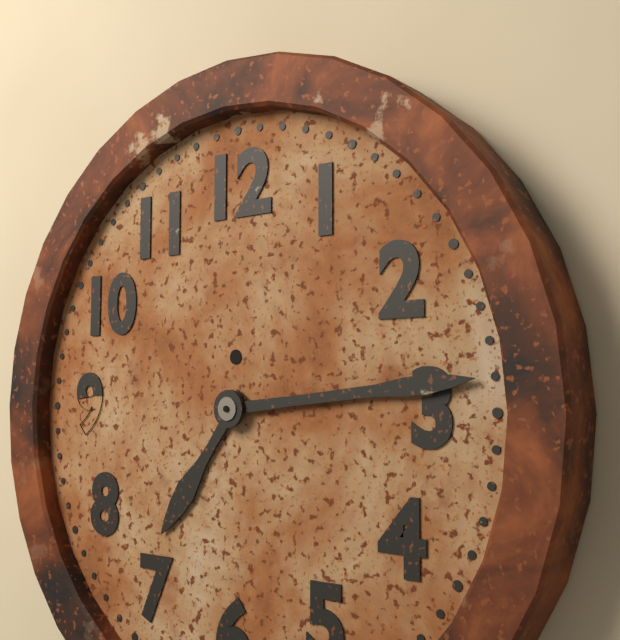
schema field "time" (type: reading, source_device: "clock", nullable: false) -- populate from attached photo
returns 7:14
